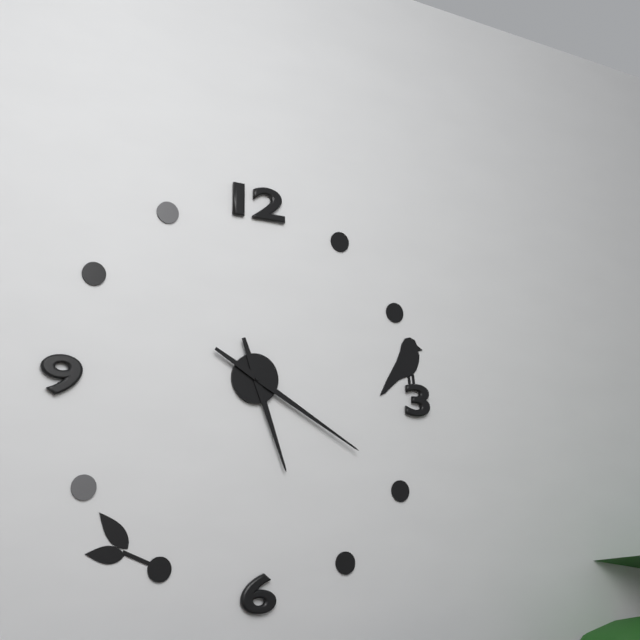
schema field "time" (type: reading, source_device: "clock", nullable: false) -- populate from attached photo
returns 5:20
